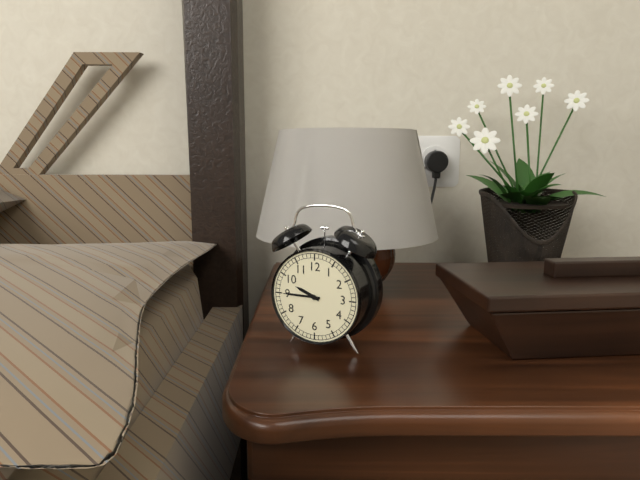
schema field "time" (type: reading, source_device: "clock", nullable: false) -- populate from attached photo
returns 9:45
